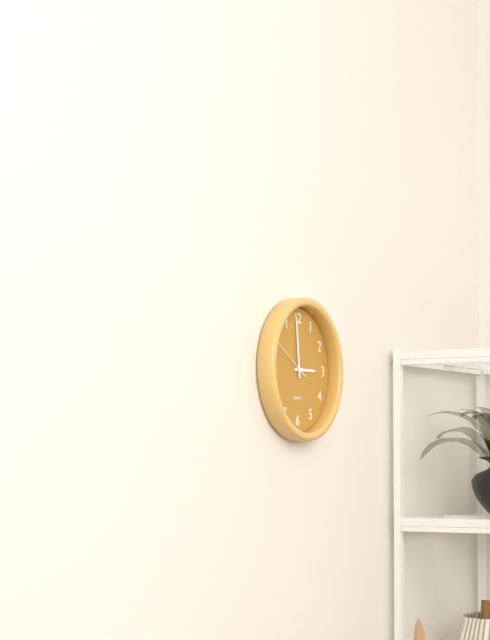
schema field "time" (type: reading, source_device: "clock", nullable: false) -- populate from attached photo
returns 2:59
